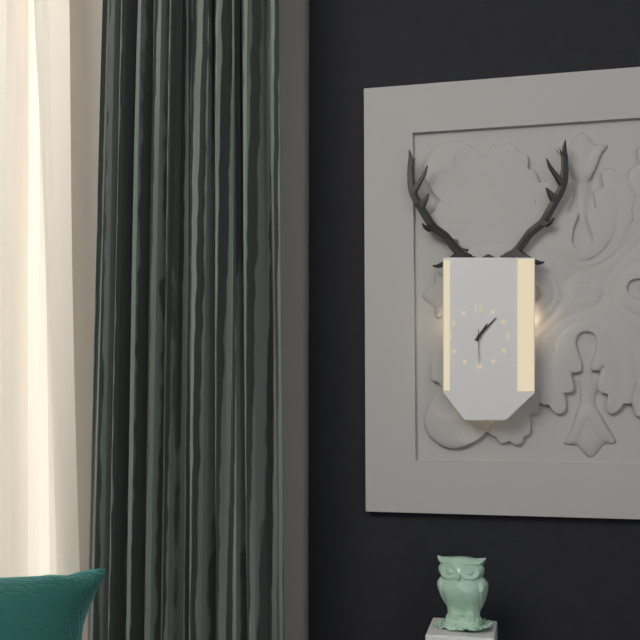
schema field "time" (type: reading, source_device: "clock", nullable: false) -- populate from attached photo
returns 1:07
